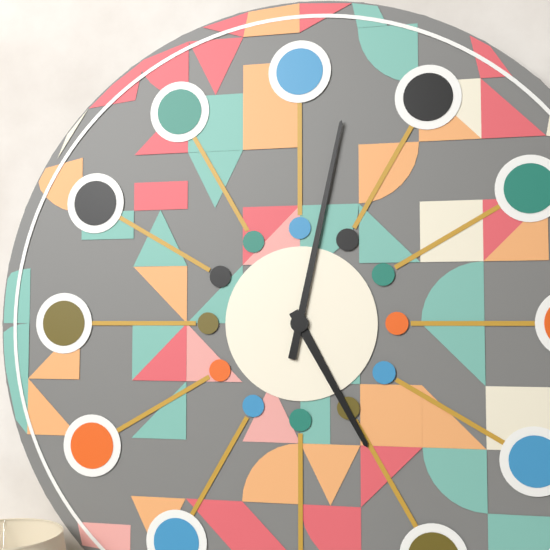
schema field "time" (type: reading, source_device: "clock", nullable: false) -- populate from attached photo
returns 5:02
